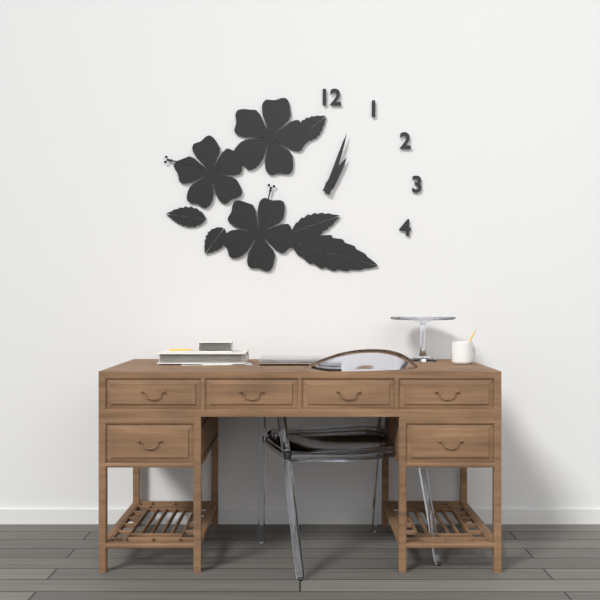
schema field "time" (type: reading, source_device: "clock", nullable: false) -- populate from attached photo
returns 1:03
